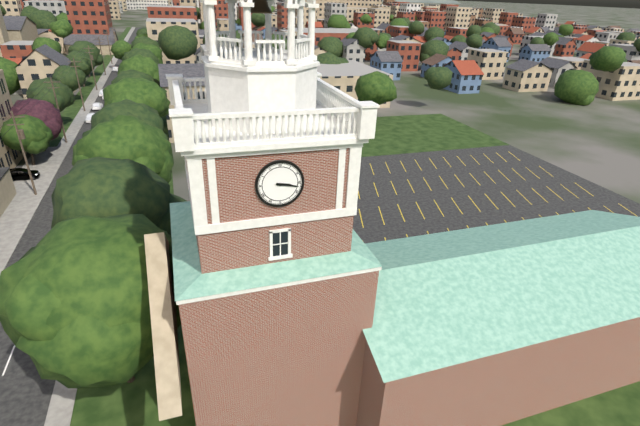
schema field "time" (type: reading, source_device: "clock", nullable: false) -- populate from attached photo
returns 3:17
